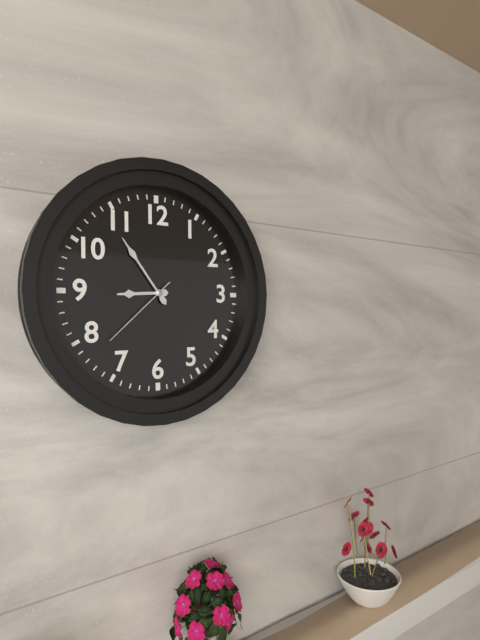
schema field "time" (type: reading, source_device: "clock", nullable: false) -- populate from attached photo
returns 8:54:38
